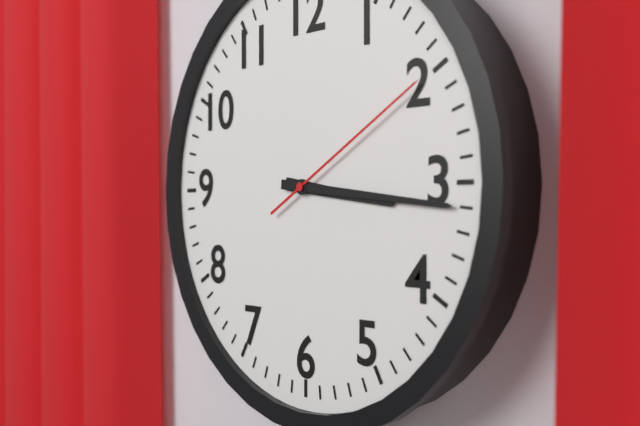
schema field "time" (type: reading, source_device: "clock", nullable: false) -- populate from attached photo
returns 3:16:10
